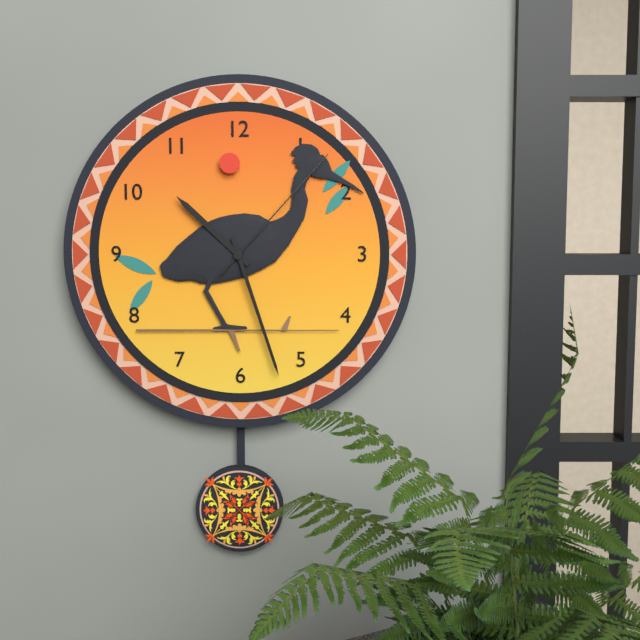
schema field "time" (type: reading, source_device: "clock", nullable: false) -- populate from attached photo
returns 10:27:07
